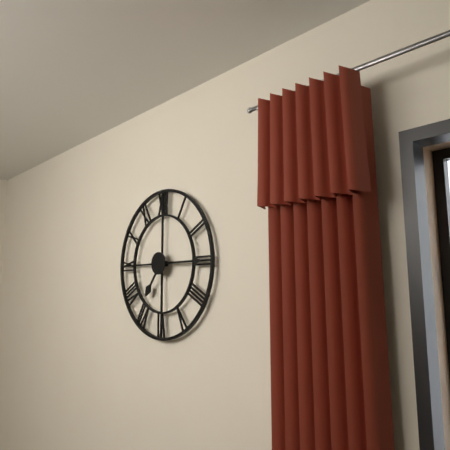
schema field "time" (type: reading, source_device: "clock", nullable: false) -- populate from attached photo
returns 7:15
